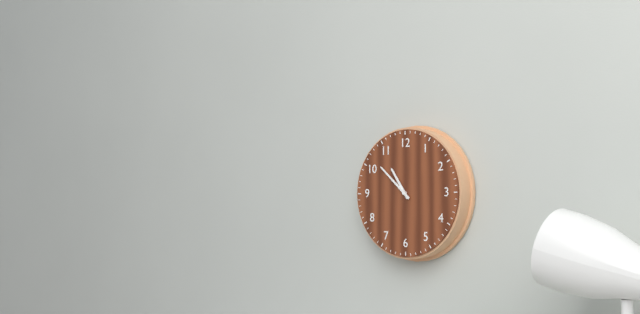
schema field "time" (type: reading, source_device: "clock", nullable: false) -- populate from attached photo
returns 10:52
